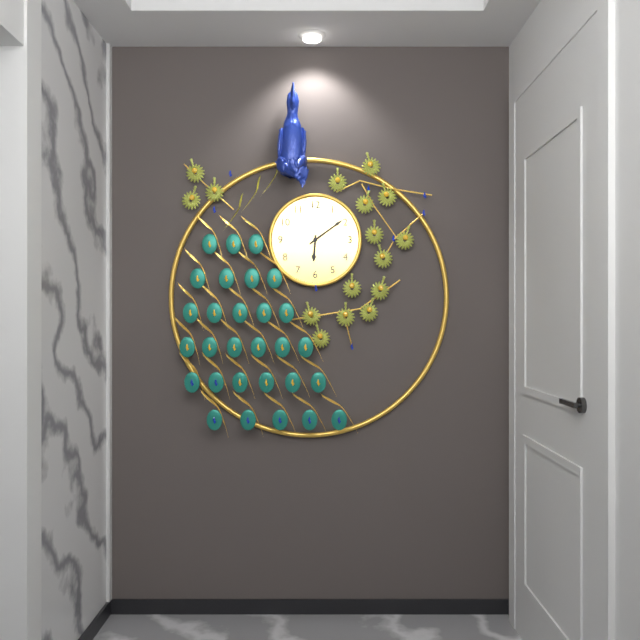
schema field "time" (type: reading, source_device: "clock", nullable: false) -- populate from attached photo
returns 6:09
